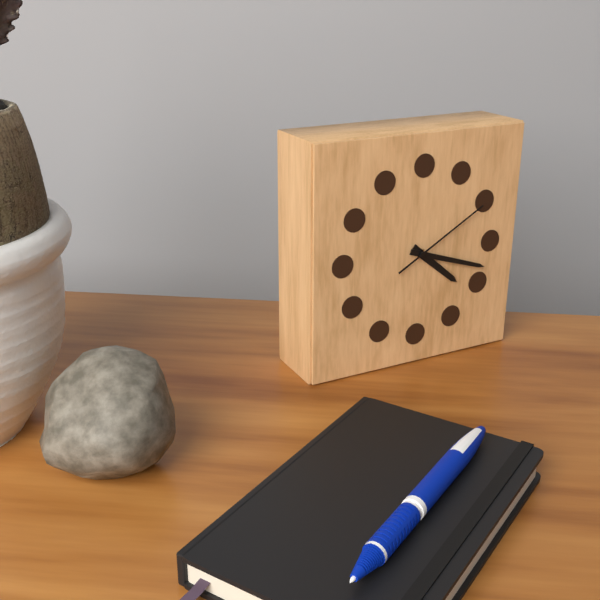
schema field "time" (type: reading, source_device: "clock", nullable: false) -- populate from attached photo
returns 4:18:10
